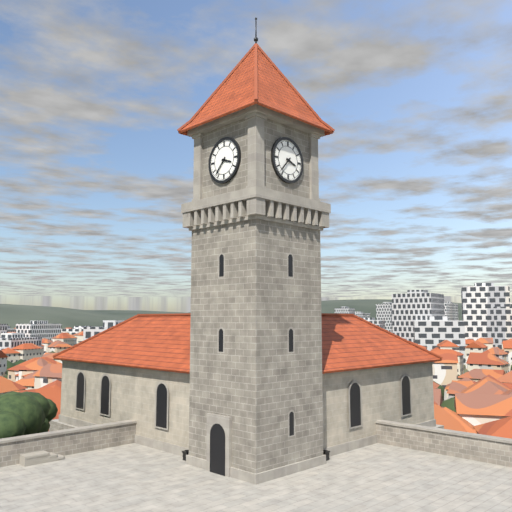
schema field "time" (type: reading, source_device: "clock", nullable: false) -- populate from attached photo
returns 3:37
